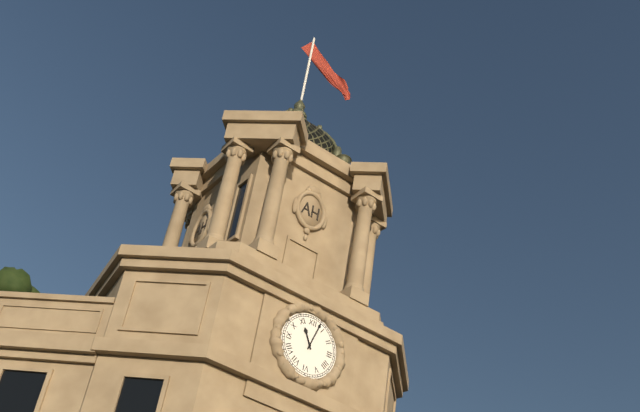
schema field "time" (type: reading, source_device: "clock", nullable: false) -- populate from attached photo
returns 11:03
